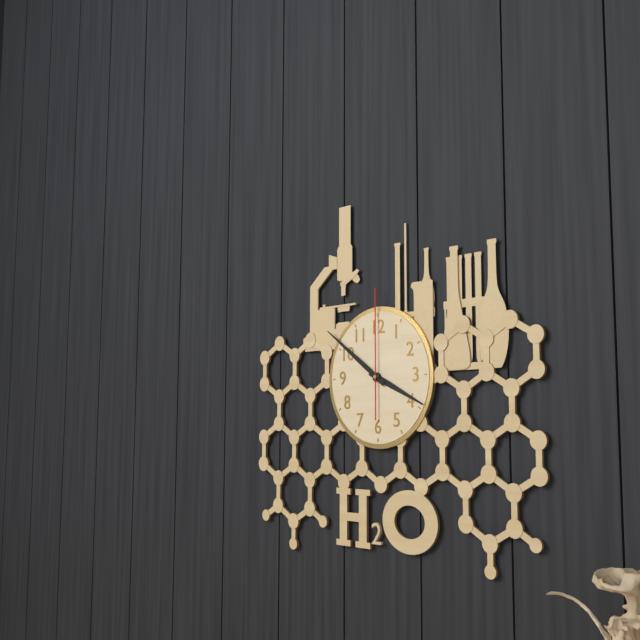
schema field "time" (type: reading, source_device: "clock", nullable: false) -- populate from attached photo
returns 3:51:00
